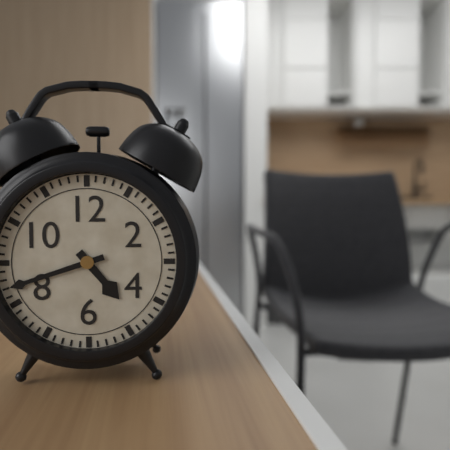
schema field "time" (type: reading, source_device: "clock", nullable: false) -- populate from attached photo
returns 4:42
